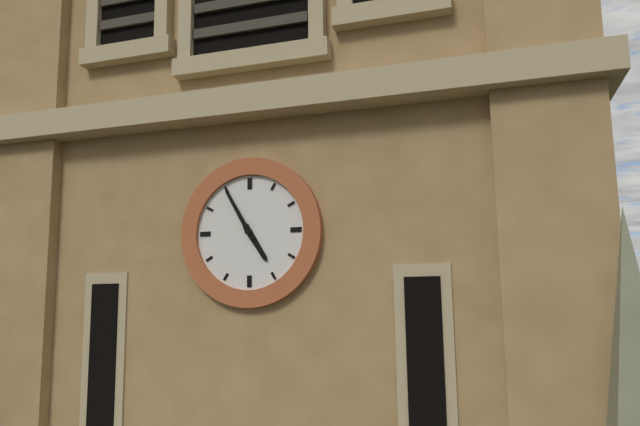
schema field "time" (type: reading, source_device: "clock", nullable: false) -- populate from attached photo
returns 4:55
